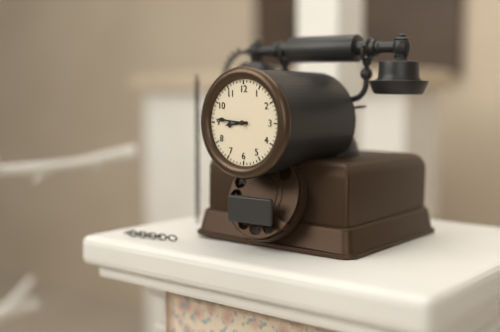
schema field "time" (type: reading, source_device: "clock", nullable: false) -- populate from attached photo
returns 8:46
